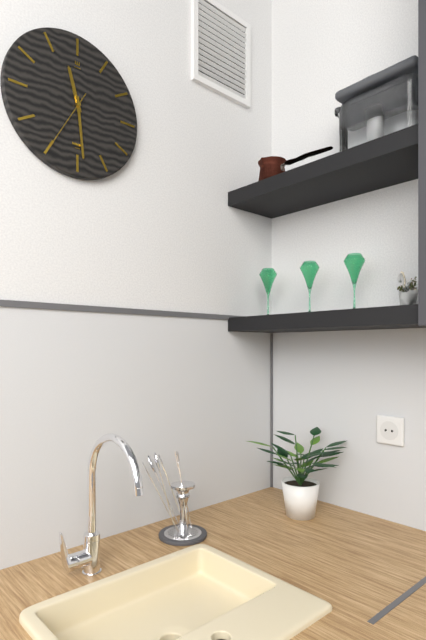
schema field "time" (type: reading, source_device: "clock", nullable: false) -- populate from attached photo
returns 11:29:35
